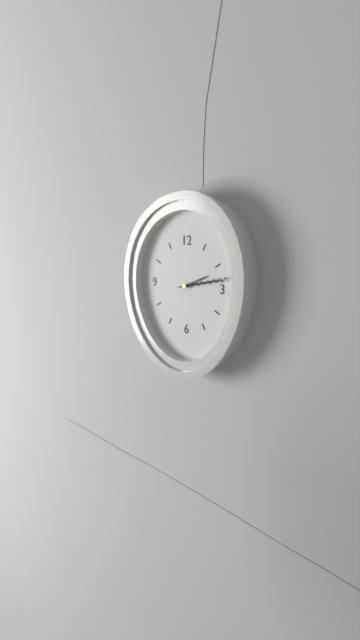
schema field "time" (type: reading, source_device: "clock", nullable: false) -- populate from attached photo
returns 2:13:13
